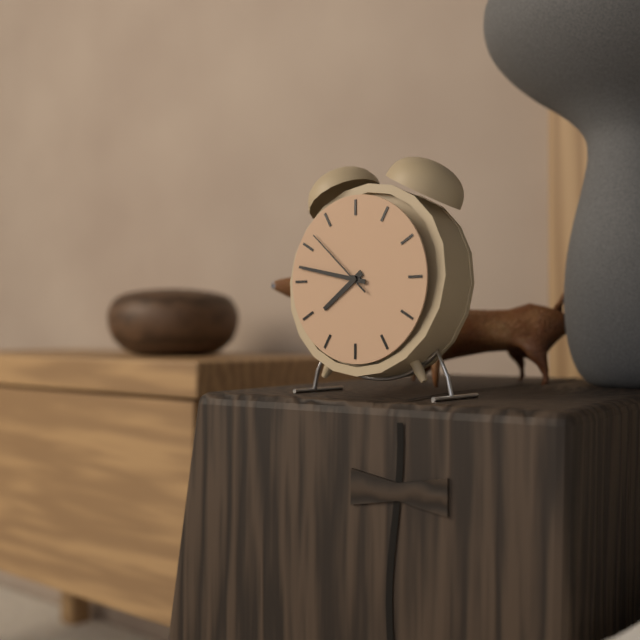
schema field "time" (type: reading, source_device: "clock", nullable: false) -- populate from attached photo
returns 7:47:52
